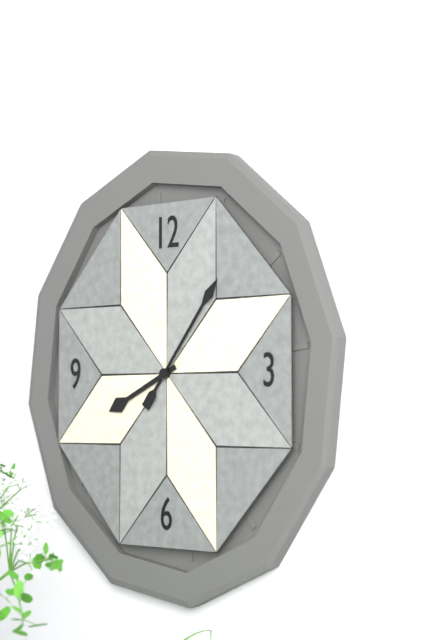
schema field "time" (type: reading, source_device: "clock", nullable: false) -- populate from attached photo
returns 8:06
